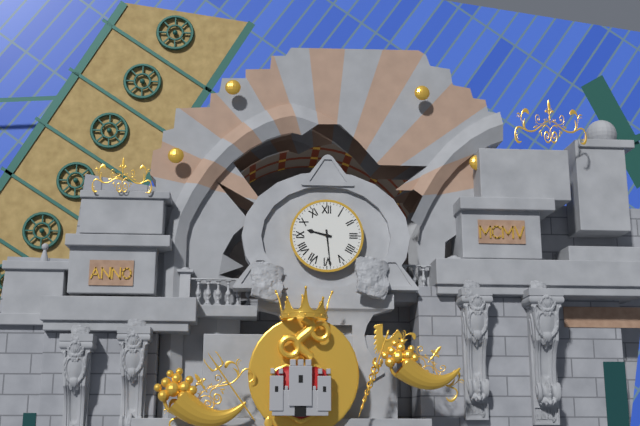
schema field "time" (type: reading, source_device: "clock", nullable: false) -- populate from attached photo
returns 9:29
